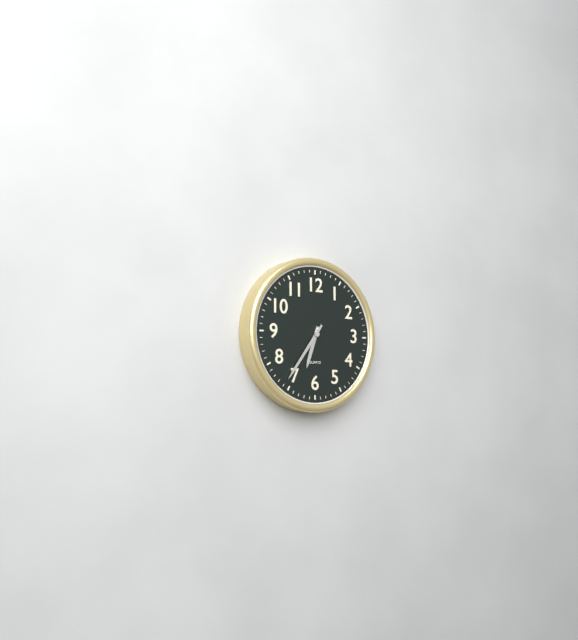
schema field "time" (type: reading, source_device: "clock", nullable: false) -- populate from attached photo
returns 6:36
